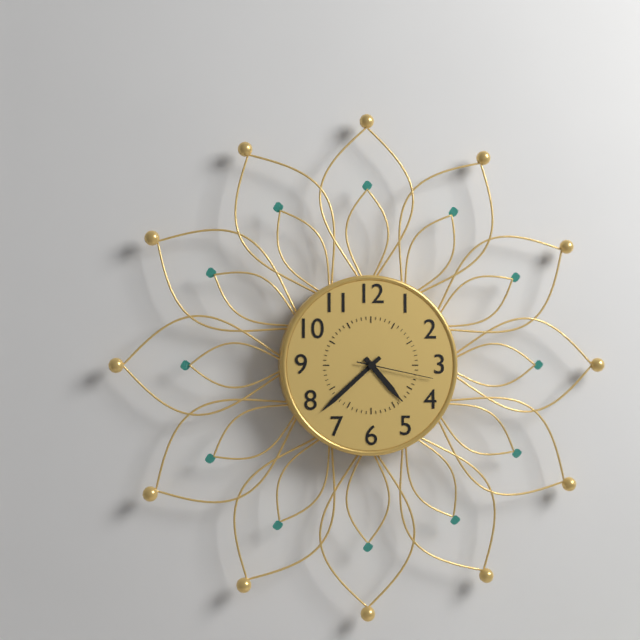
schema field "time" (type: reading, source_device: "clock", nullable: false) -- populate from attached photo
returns 4:38:17
